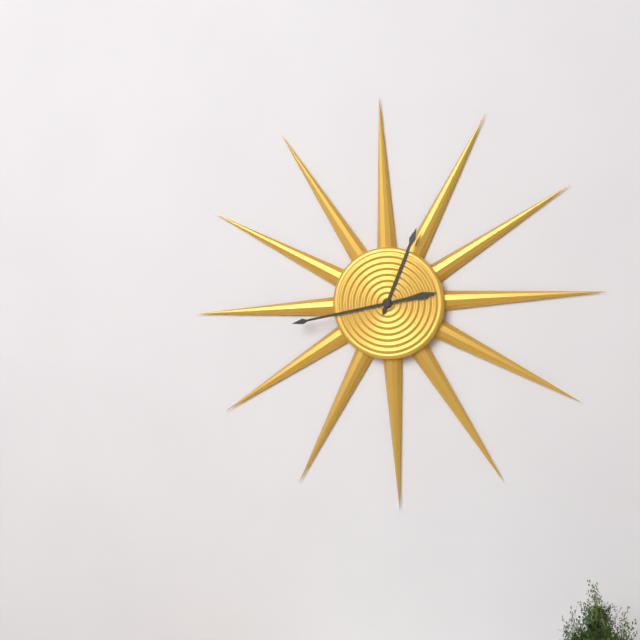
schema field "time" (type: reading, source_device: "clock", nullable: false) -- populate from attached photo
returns 12:43
